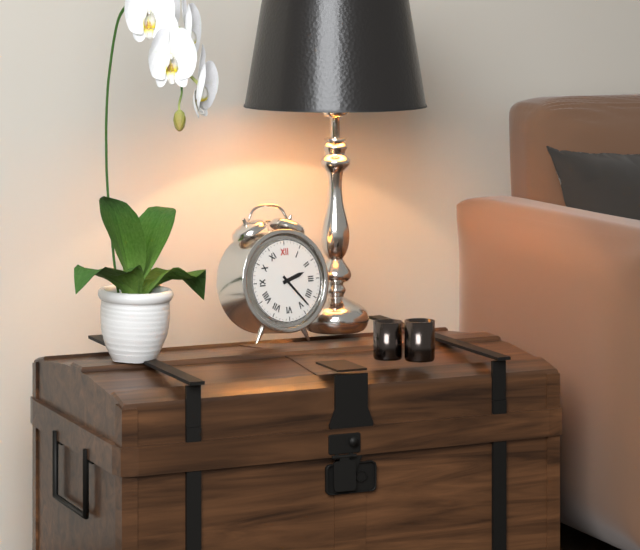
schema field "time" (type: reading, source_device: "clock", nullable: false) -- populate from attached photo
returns 2:23
